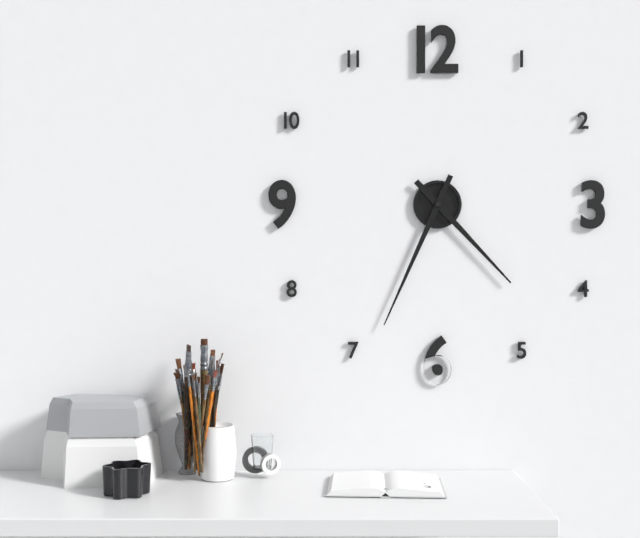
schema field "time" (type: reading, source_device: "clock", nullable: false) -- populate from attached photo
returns 4:34
